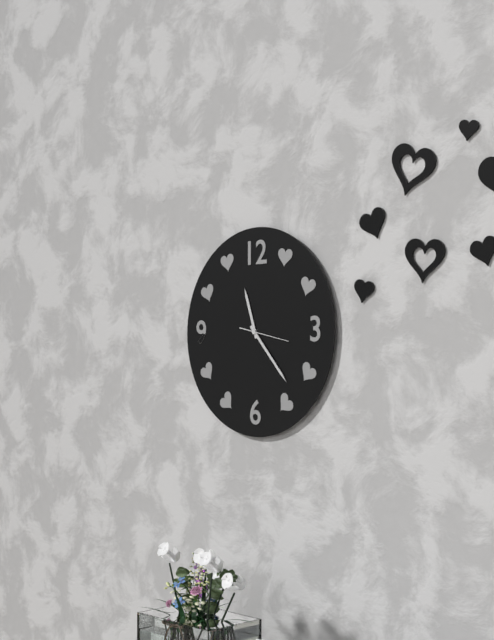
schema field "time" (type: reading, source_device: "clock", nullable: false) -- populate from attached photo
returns 11:23
